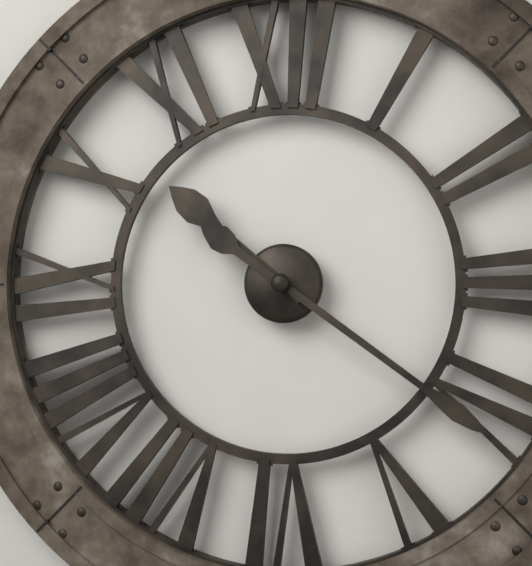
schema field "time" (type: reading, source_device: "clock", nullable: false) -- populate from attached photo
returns 10:21
